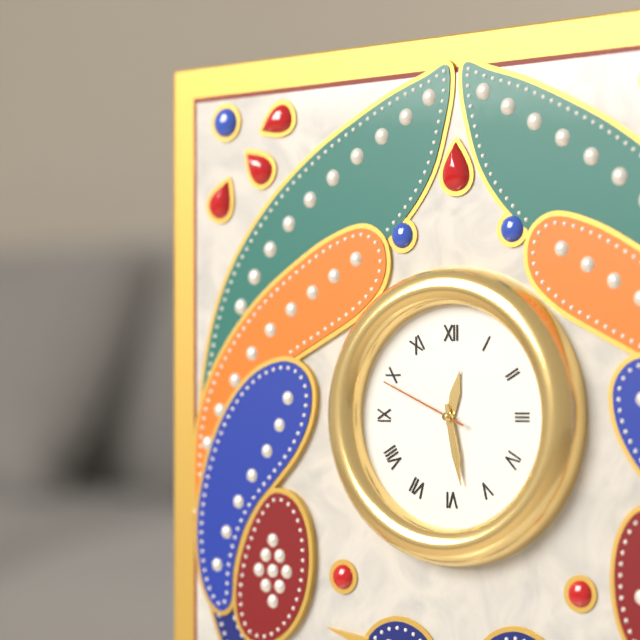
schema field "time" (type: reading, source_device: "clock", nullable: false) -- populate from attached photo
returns 12:28:49
